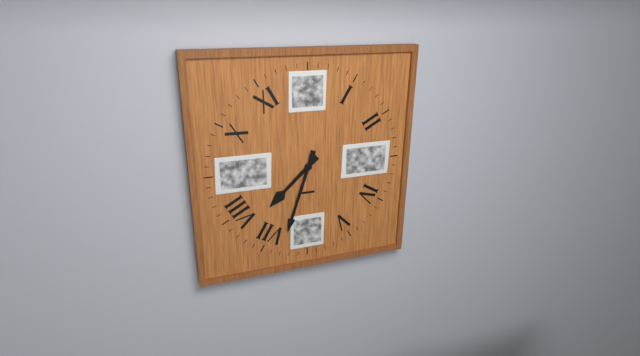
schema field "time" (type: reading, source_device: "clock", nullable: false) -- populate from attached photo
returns 7:33
